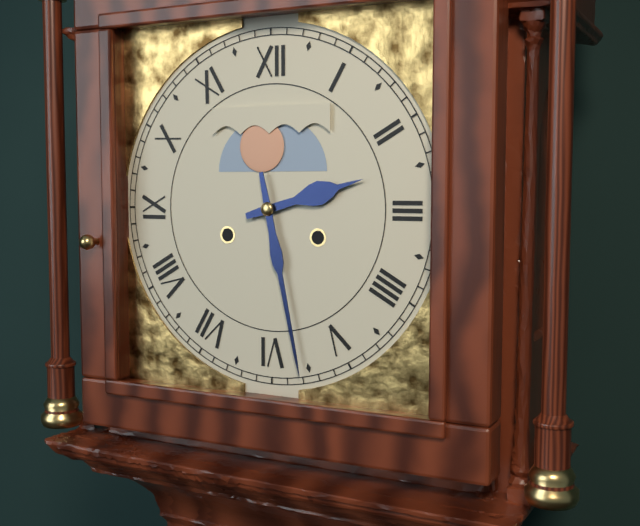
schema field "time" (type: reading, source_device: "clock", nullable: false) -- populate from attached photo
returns 2:28
